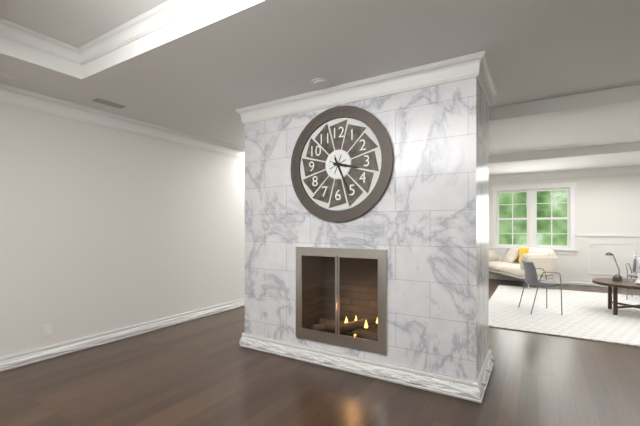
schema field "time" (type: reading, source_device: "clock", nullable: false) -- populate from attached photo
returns 3:26
